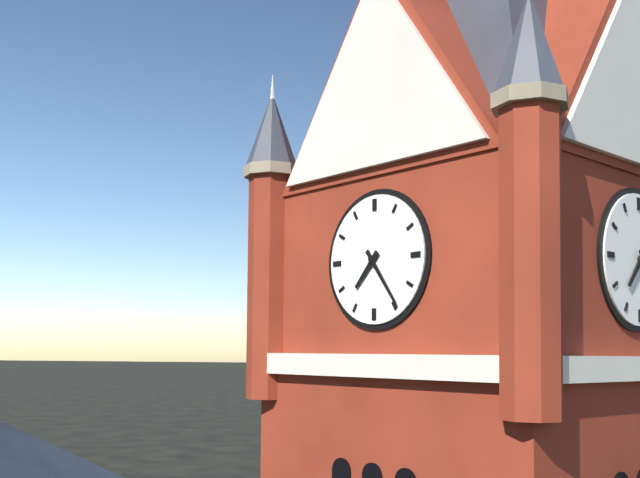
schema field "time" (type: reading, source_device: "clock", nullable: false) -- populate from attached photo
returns 7:24
